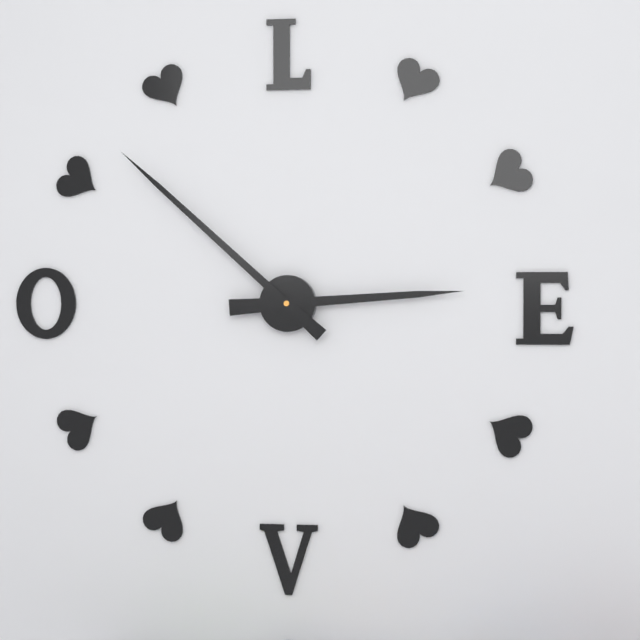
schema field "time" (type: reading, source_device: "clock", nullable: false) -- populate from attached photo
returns 2:52
